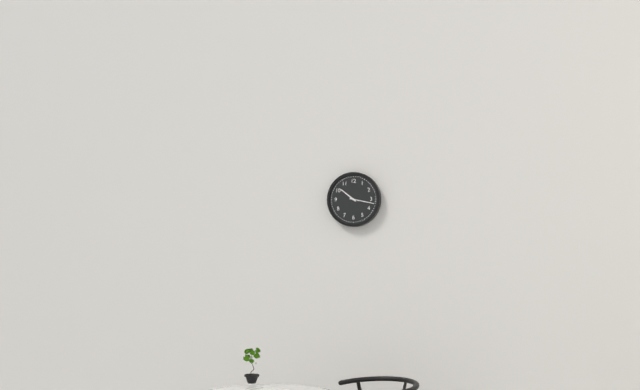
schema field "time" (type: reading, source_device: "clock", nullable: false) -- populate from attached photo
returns 10:17
